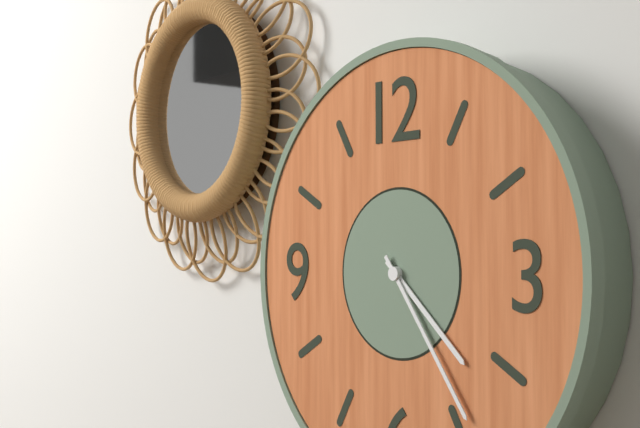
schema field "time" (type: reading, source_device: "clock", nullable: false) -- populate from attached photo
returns 4:24
